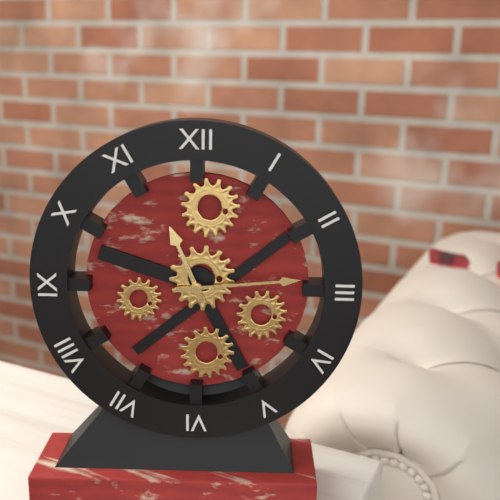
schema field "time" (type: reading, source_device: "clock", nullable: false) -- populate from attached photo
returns 11:14
